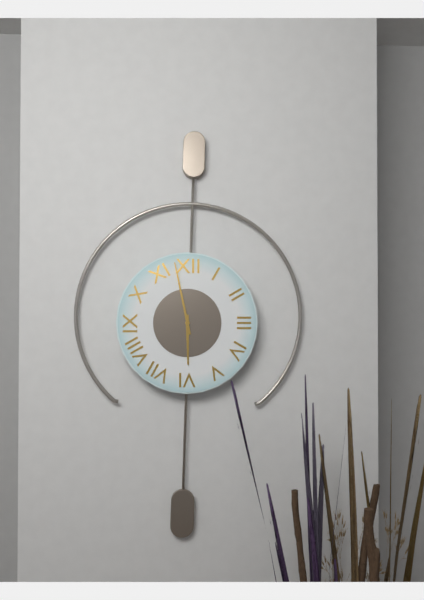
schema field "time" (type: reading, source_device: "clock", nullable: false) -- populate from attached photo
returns 5:58
